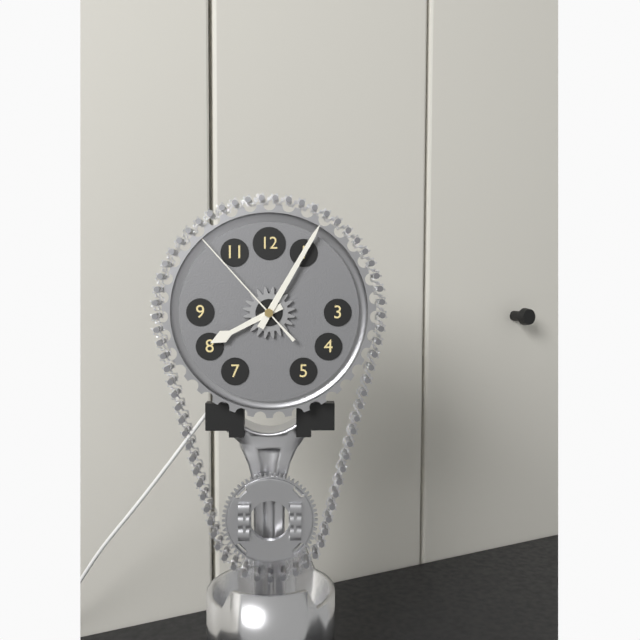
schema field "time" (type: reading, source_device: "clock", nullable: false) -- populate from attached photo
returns 8:05:53
